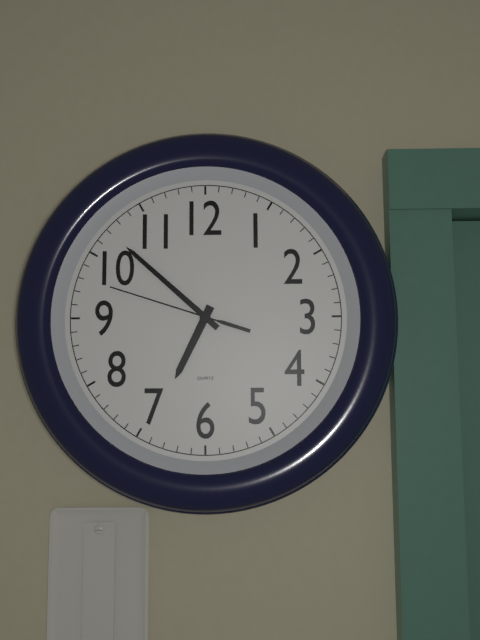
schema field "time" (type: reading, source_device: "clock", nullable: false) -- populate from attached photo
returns 6:52:48
